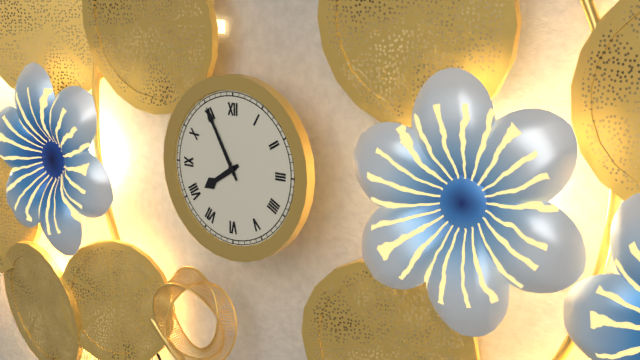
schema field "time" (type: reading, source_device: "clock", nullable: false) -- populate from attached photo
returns 7:55
